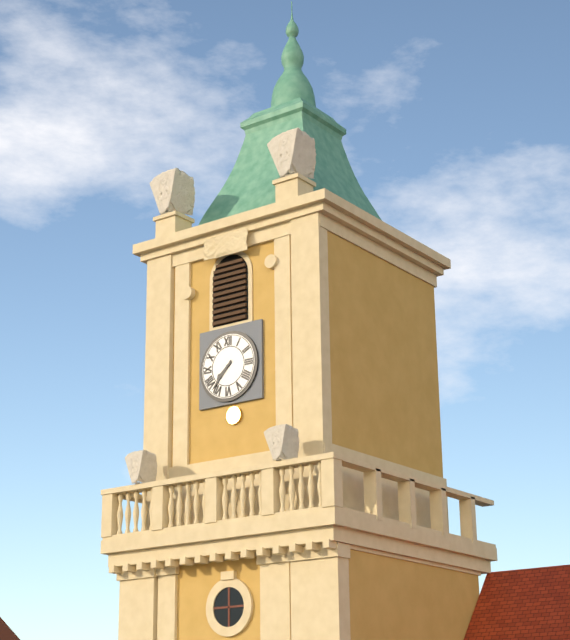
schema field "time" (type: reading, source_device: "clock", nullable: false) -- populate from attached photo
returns 7:37
